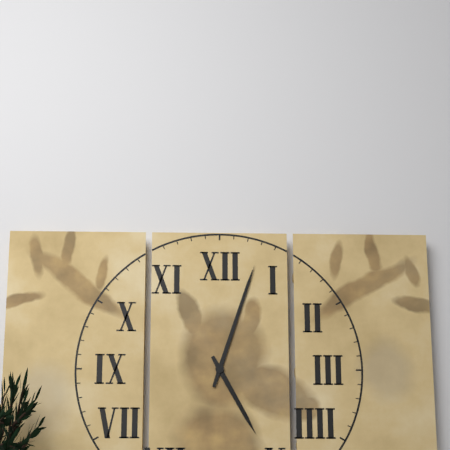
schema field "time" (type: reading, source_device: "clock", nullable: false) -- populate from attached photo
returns 5:03
